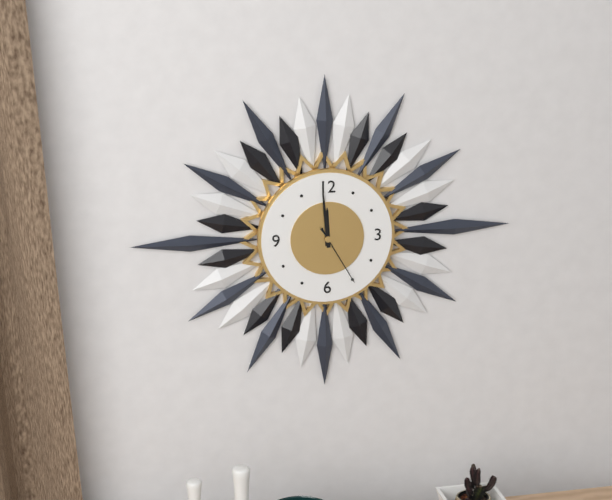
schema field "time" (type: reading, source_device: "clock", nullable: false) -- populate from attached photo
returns 11:59:25
